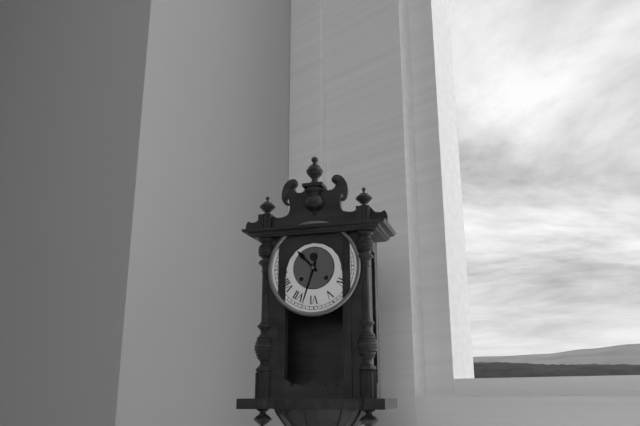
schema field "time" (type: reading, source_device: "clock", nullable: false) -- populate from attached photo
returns 10:33
